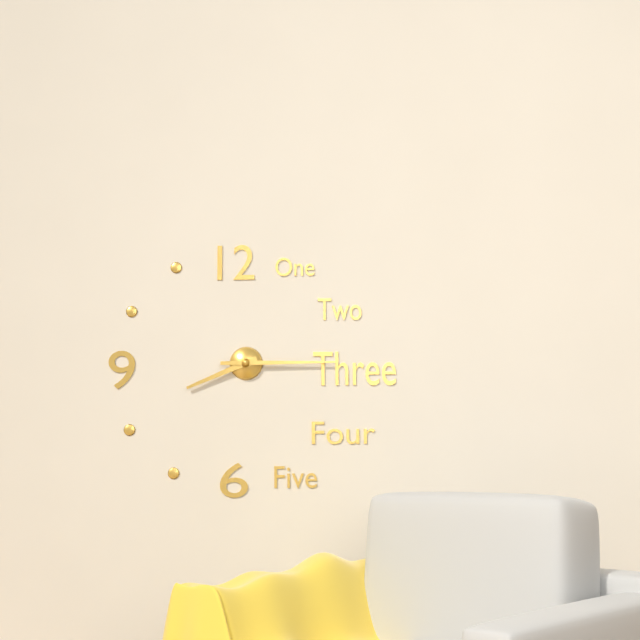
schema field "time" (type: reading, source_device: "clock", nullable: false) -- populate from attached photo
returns 8:15
